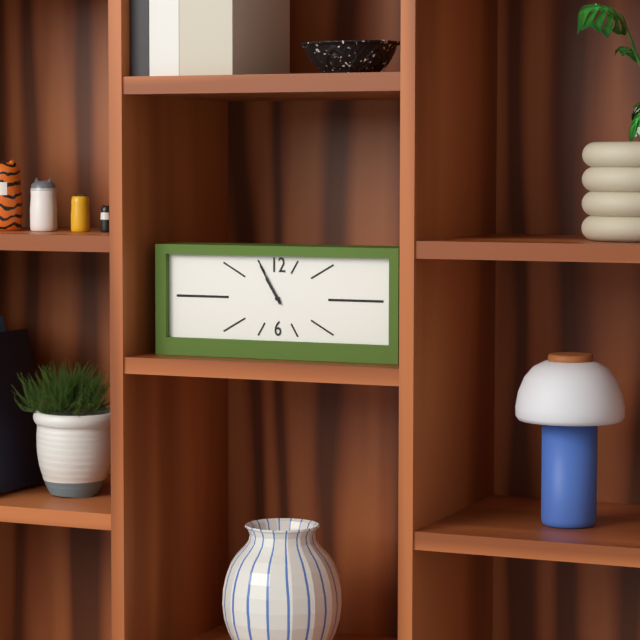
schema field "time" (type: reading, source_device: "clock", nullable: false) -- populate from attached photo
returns 10:55
